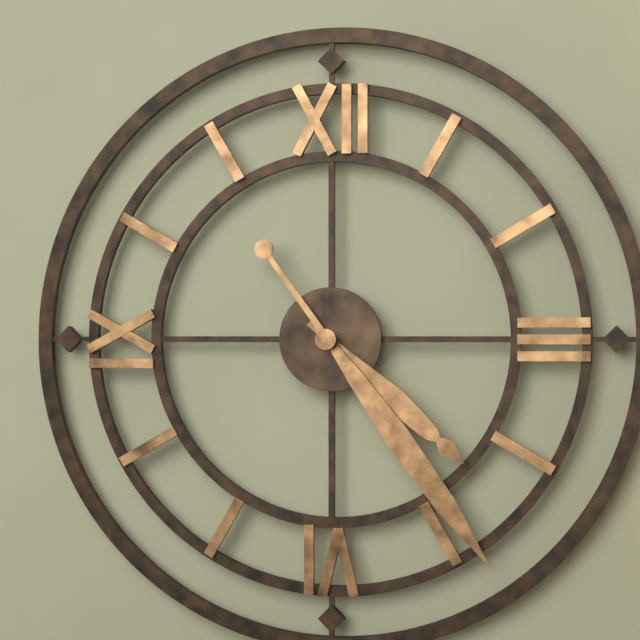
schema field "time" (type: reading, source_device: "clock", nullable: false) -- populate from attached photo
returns 4:24
